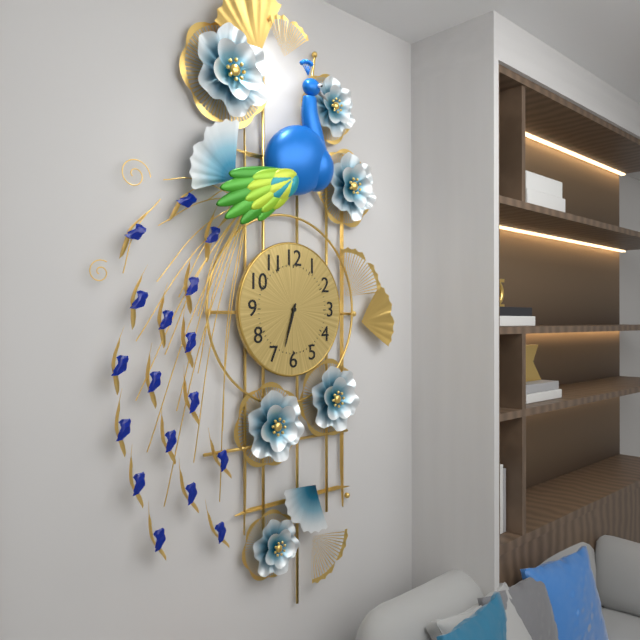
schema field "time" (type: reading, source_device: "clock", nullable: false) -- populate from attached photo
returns 6:33
